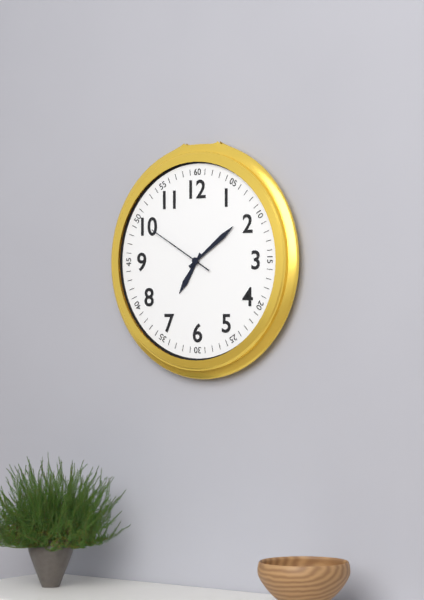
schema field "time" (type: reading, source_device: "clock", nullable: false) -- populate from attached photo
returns 7:09:50
